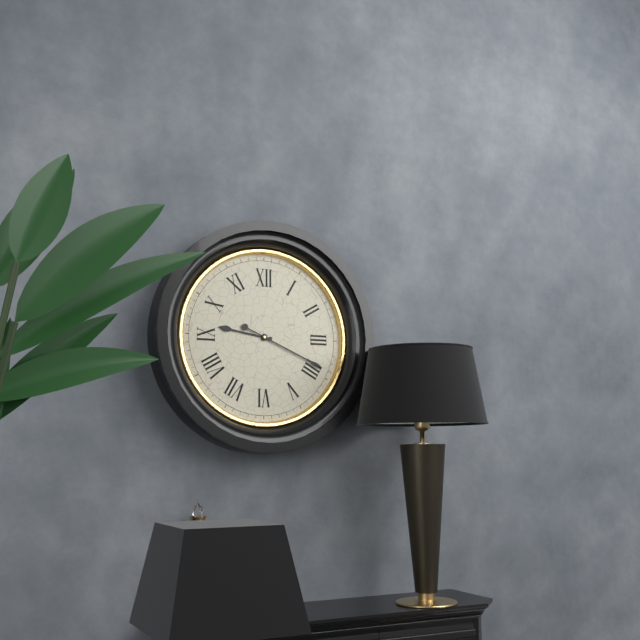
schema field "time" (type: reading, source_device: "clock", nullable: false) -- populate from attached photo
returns 9:19
